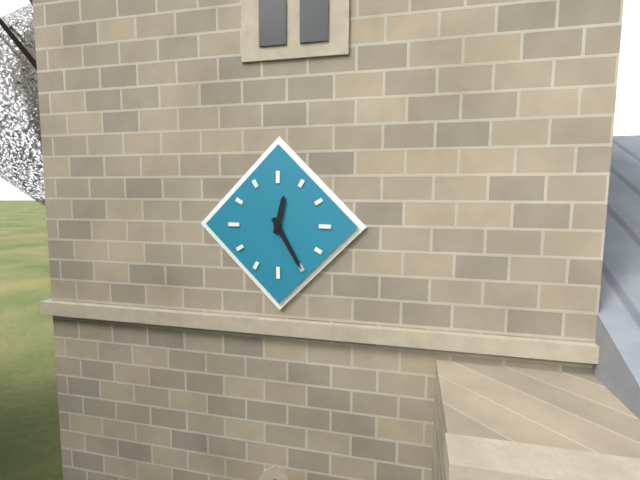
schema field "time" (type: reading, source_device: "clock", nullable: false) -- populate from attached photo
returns 12:25
